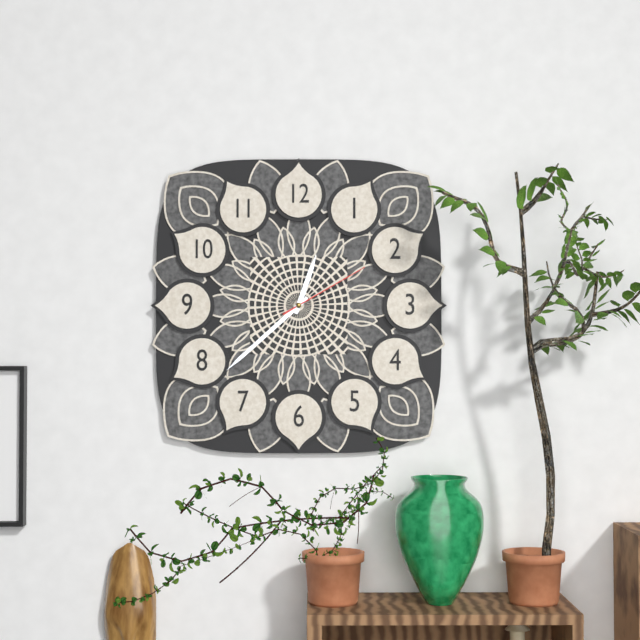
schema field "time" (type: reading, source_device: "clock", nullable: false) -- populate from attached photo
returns 12:38:10
